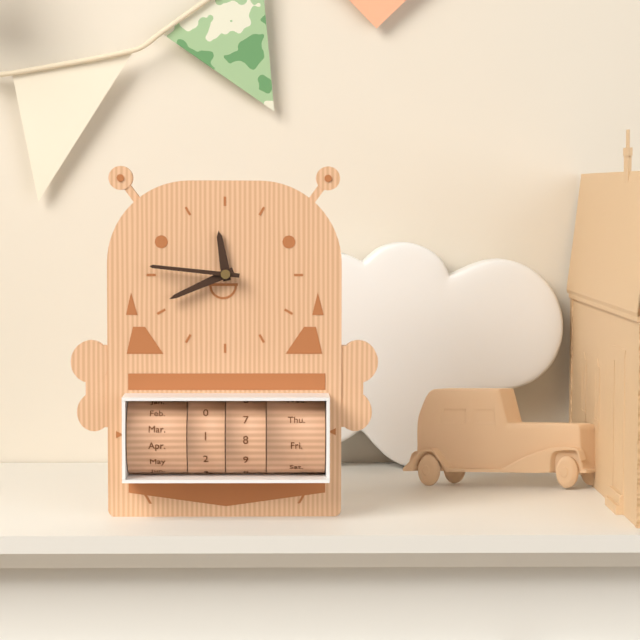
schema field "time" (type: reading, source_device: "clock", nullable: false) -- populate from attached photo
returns 11:41:46
